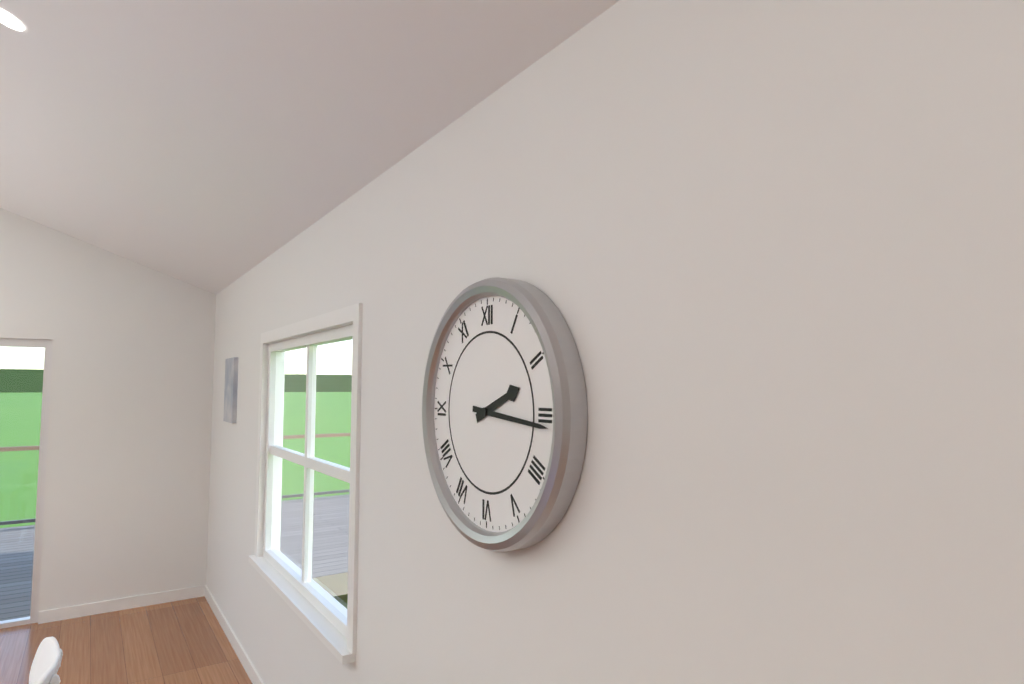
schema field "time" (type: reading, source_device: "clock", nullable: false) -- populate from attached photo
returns 2:16
